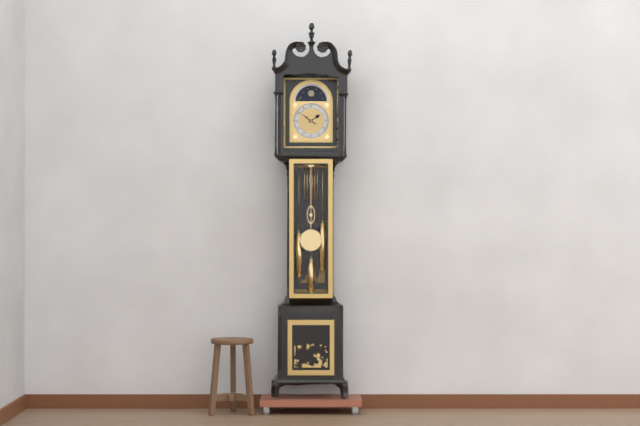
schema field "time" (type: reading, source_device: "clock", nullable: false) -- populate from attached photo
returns 1:51
